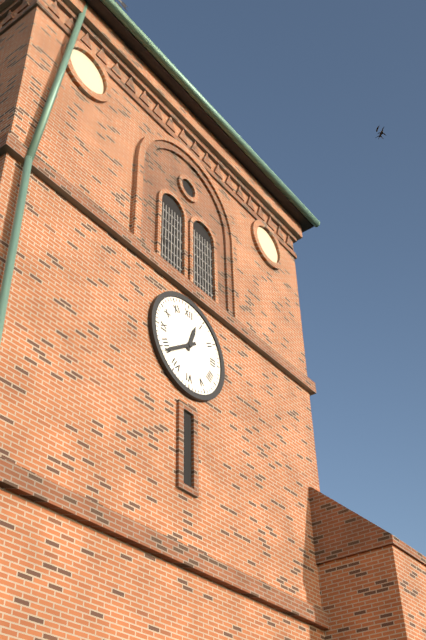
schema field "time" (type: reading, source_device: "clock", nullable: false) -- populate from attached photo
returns 12:39
